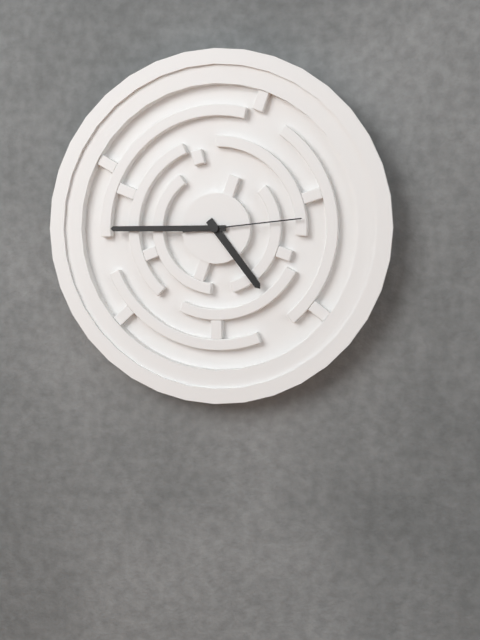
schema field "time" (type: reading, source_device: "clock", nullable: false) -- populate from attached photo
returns 4:45:14
